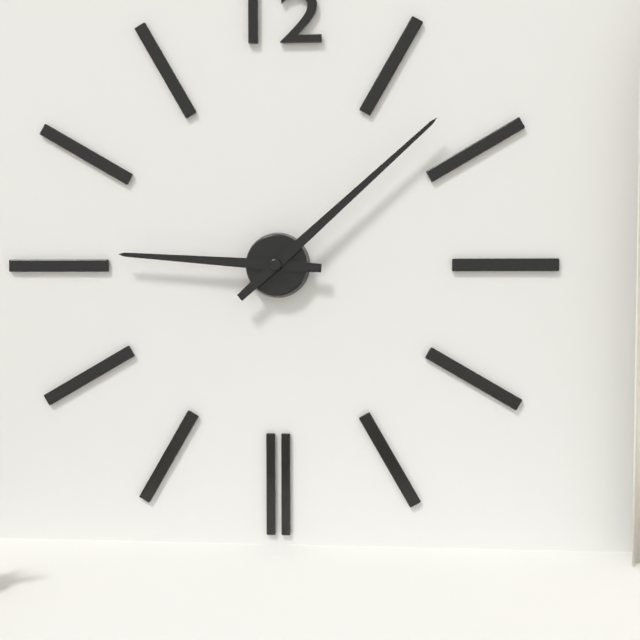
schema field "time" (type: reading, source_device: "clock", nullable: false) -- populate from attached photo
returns 9:08
